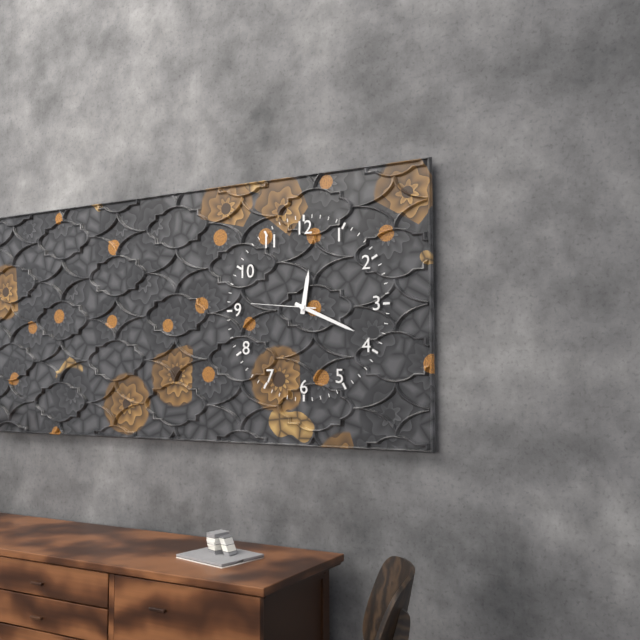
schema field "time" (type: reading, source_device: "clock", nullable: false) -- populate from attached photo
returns 12:19:46
